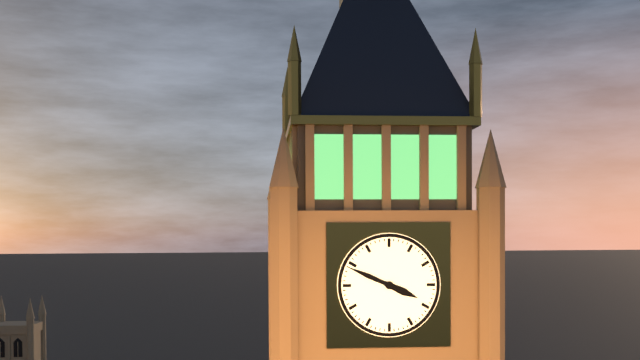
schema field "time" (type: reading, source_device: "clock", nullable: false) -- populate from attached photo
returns 3:49
